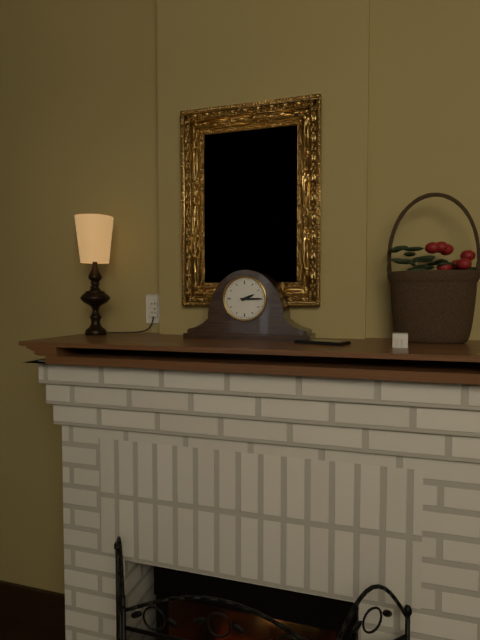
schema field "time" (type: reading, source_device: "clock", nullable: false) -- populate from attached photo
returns 2:15
